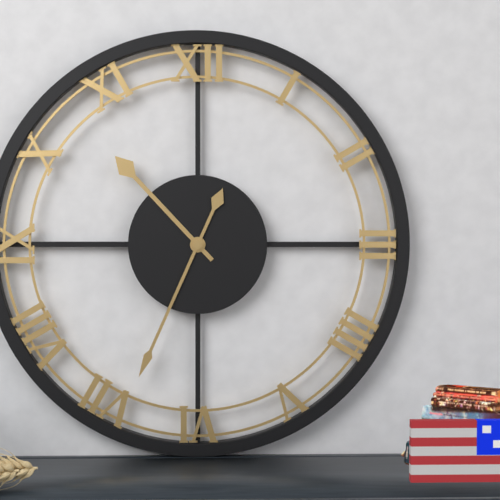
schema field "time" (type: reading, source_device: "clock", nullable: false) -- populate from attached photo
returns 10:34
